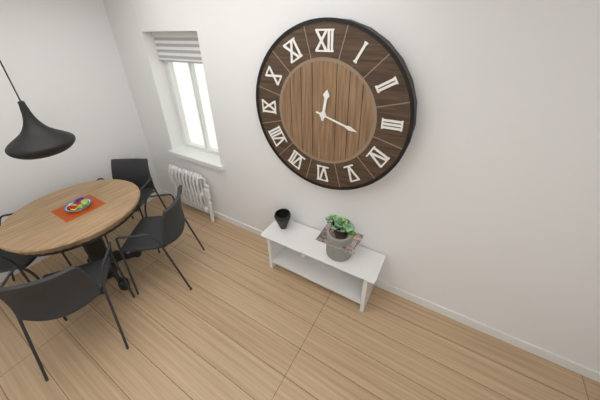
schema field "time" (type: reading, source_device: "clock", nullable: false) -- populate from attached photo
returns 12:18
